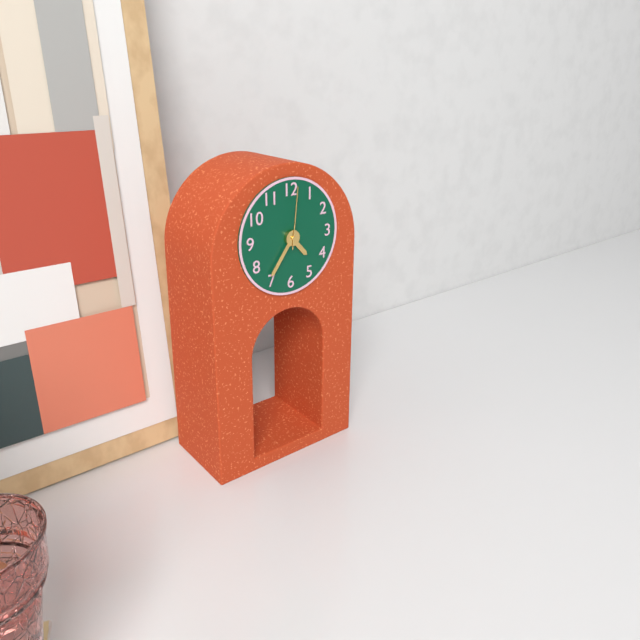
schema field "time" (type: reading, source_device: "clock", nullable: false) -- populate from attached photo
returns 4:36:01
